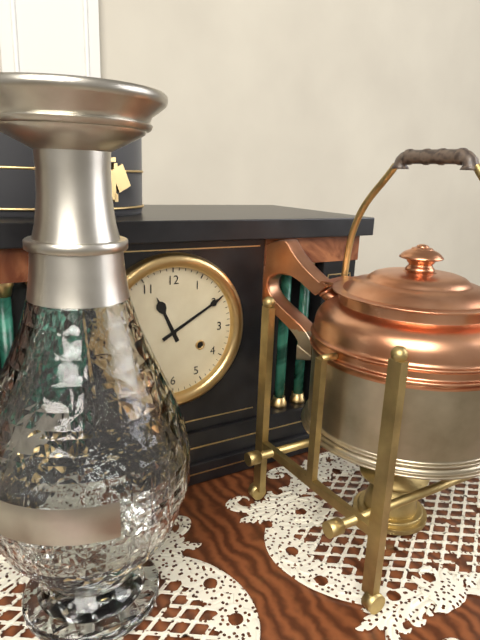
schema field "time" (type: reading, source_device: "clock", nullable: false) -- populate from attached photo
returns 11:10
